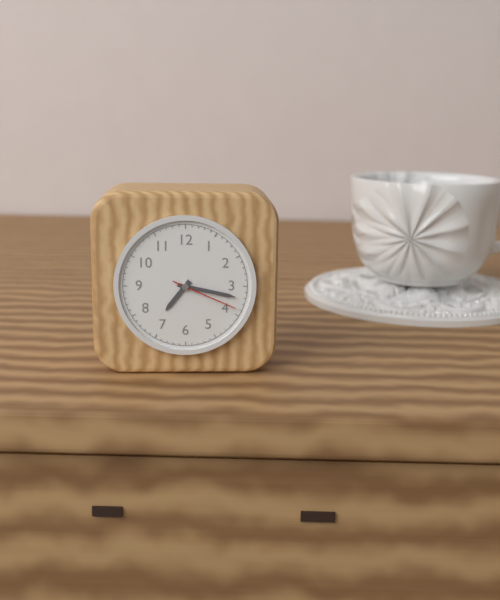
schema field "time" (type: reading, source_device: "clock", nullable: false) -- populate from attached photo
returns 7:17:19
